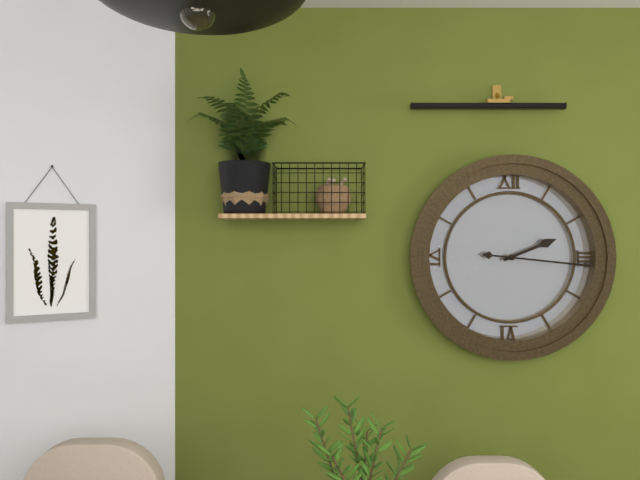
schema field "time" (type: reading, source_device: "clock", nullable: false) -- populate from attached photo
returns 2:16
